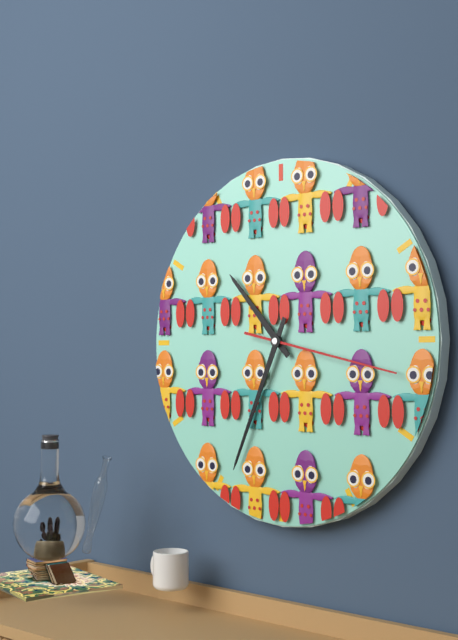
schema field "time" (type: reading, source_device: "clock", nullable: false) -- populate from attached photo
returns 10:34:17
